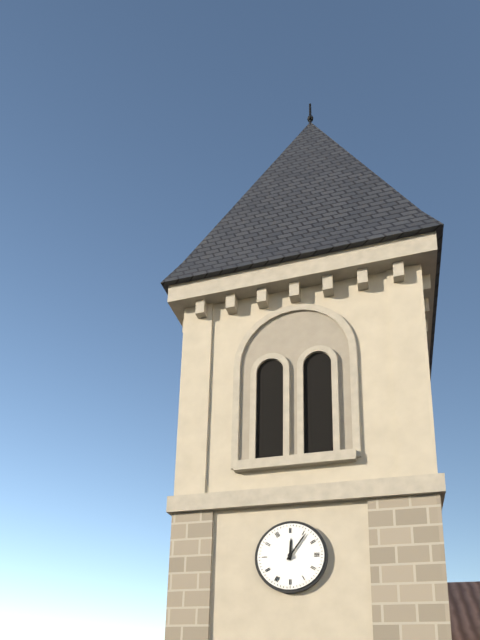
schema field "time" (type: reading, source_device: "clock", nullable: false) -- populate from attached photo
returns 12:06
